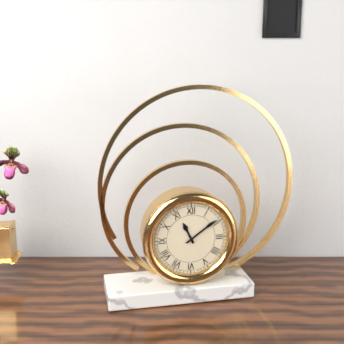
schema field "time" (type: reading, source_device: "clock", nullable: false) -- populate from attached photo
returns 11:09
